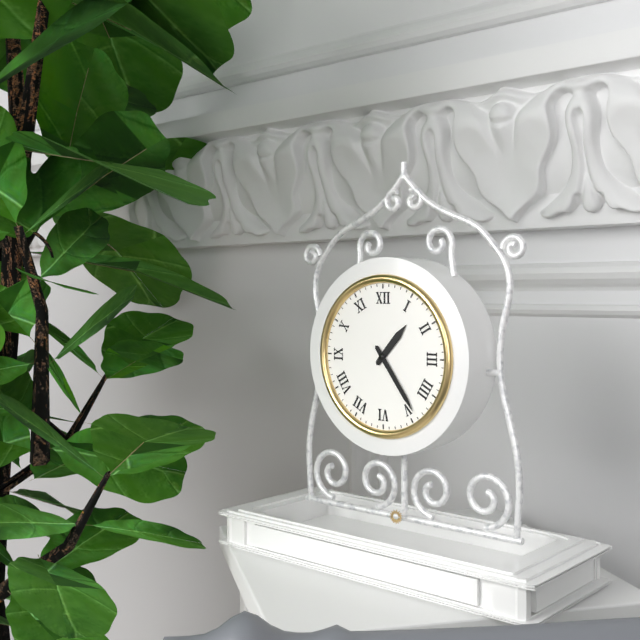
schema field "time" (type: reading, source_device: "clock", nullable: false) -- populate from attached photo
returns 1:24
